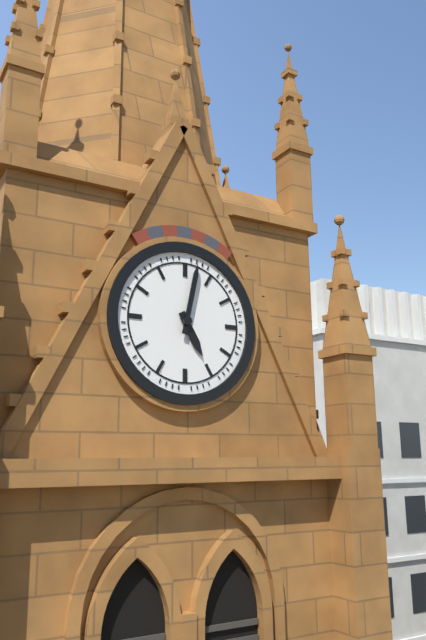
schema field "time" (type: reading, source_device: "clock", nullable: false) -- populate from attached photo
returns 5:02
